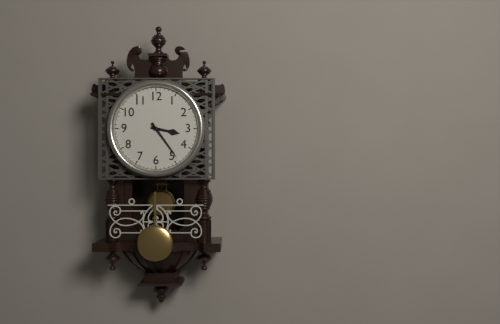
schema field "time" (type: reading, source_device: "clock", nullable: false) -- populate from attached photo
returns 3:24
